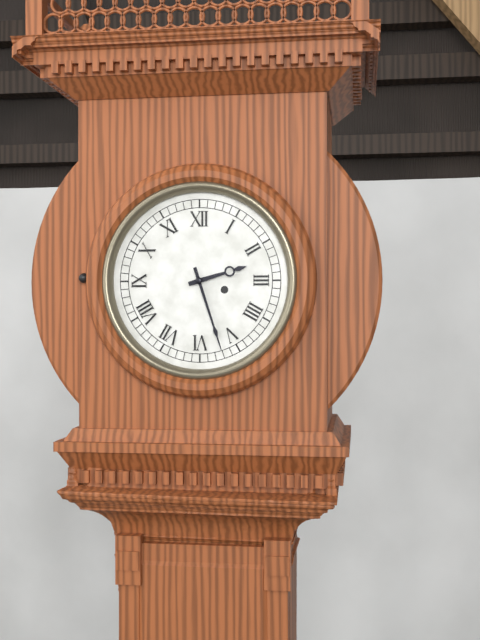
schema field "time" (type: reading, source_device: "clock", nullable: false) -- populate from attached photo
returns 2:27
